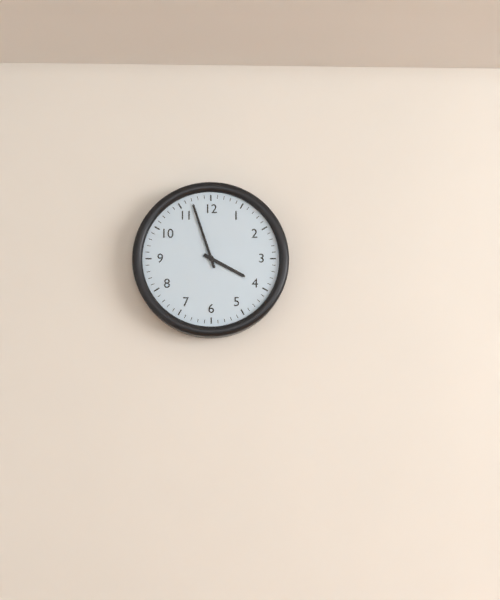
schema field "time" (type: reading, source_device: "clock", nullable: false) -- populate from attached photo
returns 3:57
